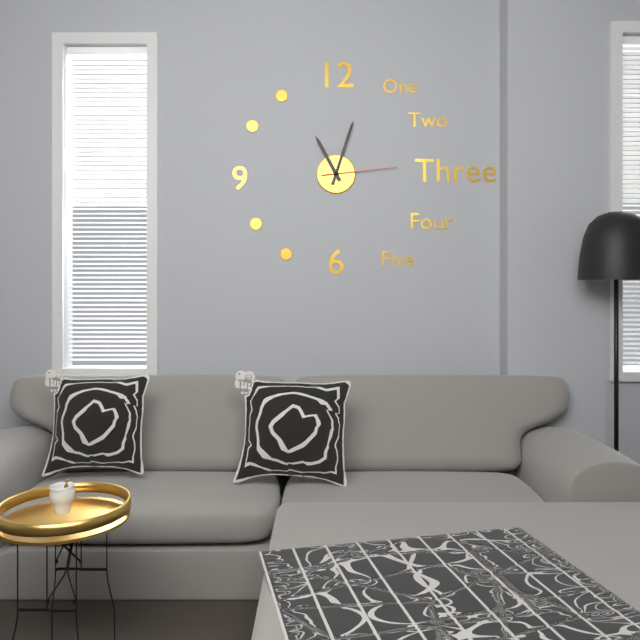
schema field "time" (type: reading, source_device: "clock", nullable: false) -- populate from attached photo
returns 11:03:14
